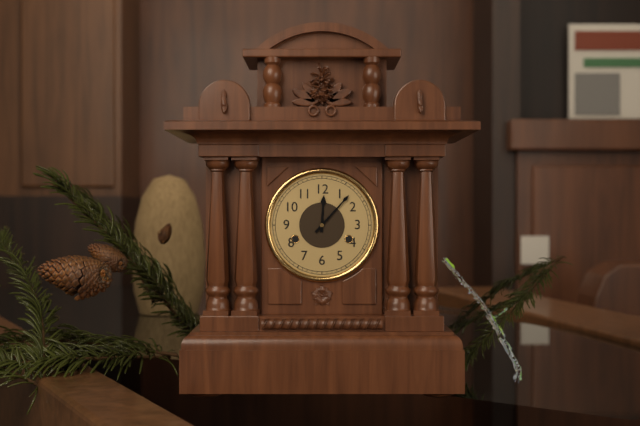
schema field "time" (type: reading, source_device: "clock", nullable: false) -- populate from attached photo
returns 12:07
